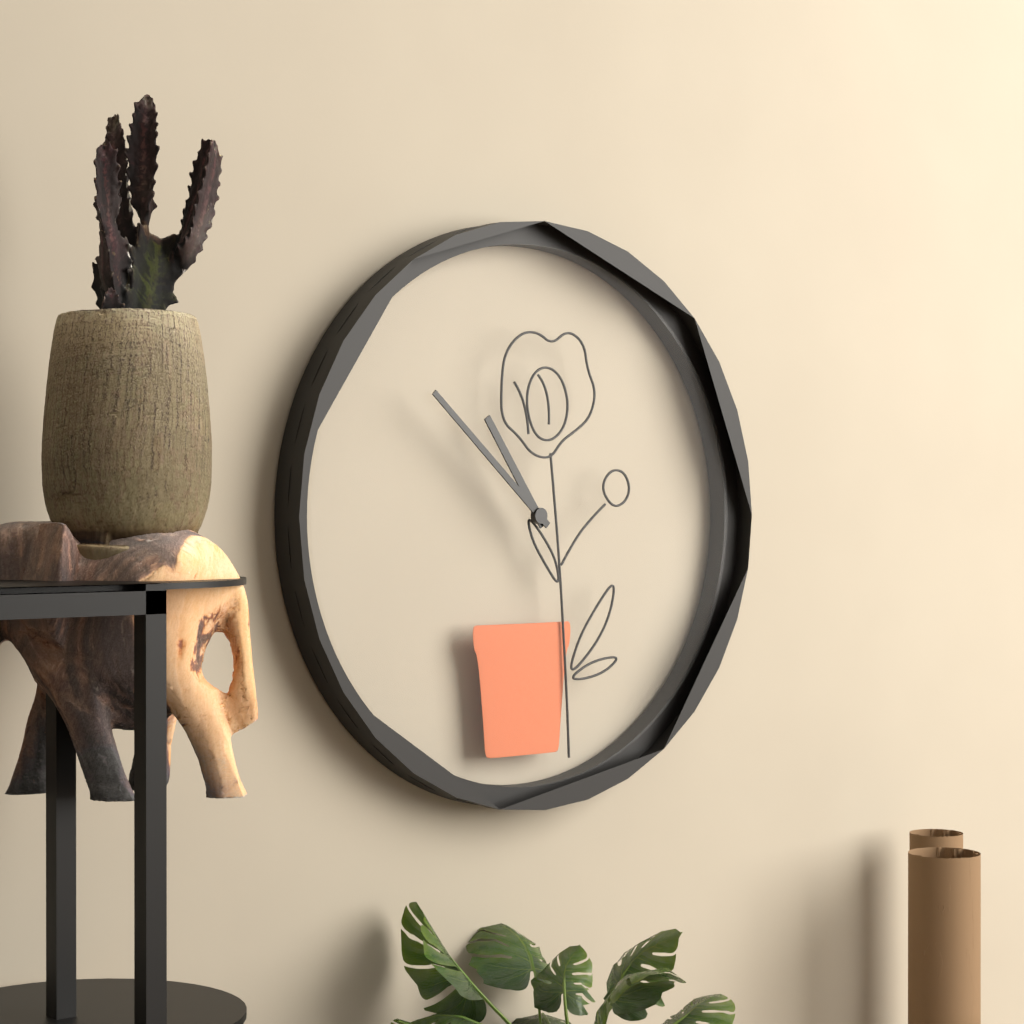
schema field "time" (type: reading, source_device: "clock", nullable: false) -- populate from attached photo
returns 10:52
